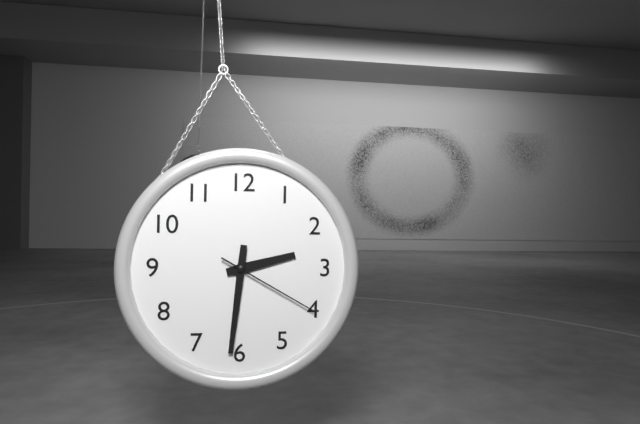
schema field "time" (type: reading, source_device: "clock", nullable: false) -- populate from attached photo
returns 2:31:20
